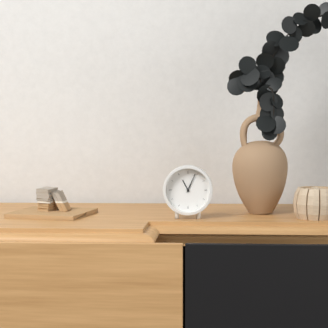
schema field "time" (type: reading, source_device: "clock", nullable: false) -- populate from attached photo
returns 11:04
